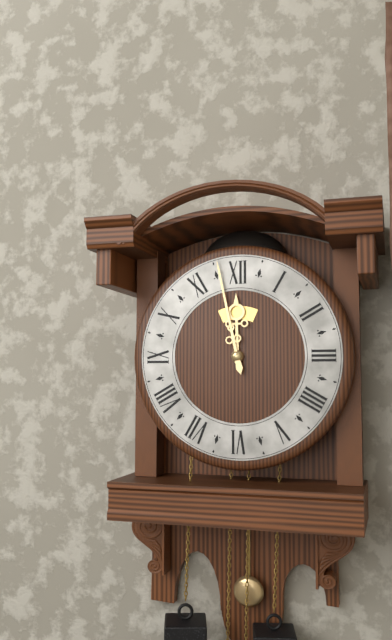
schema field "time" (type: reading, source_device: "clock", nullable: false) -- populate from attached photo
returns 11:58
